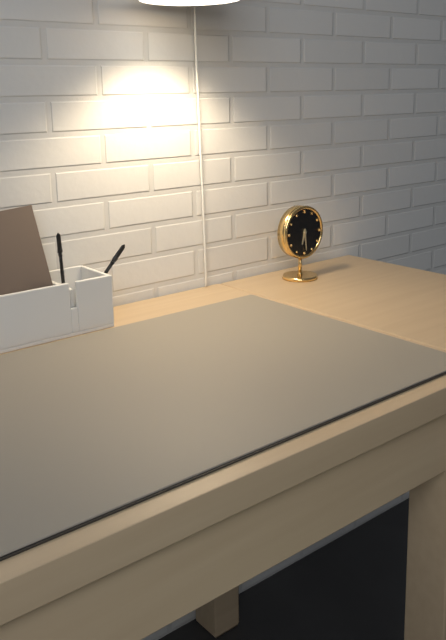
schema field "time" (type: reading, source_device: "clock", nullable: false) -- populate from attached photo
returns 6:29
